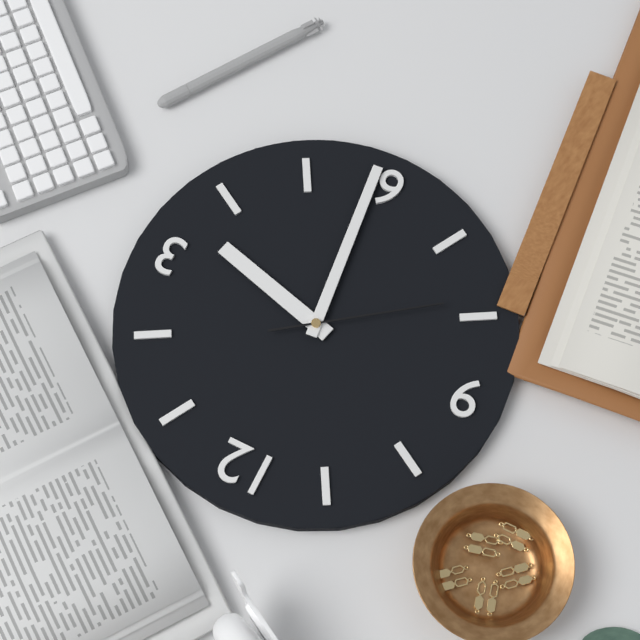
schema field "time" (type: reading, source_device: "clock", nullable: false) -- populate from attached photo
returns 3:29:39
